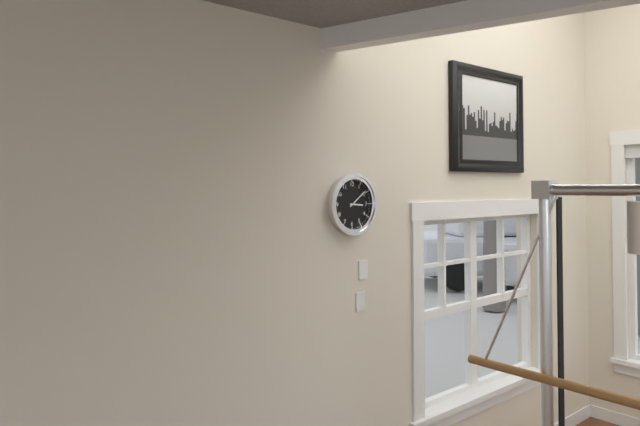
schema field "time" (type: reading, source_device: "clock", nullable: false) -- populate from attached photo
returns 3:09
